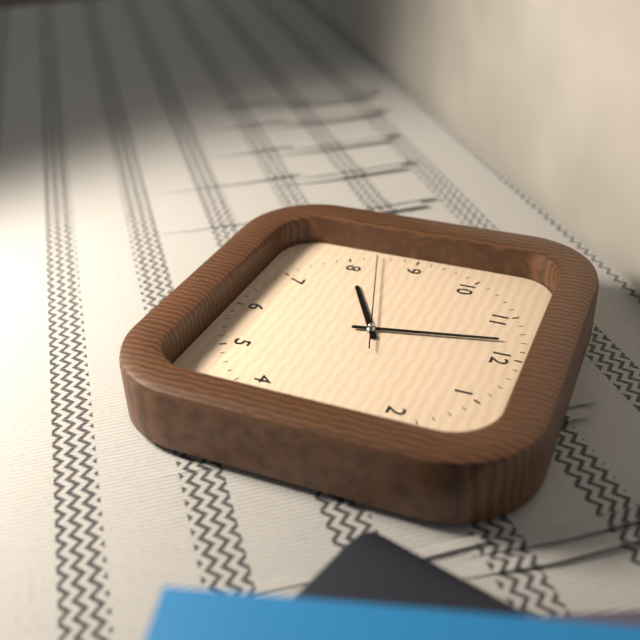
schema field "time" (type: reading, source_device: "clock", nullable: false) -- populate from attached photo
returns 7:58:42
